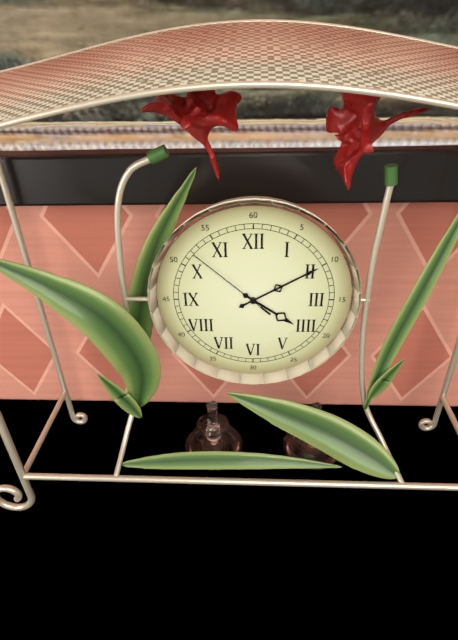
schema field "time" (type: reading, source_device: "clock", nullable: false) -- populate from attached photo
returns 4:10:52
